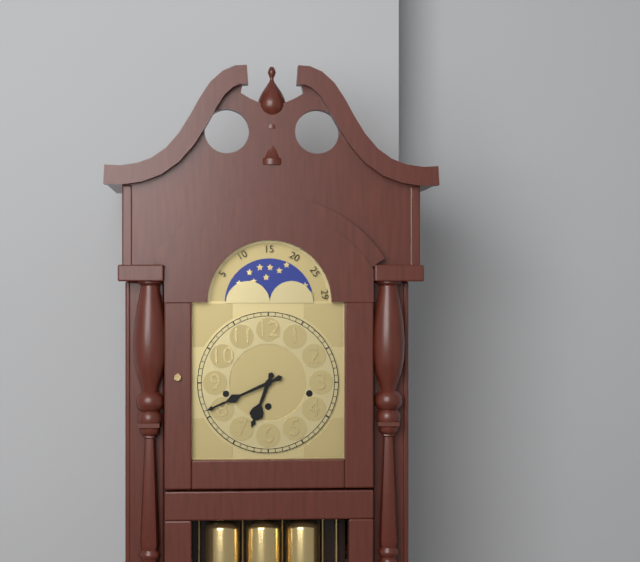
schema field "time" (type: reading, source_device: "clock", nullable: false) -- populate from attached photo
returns 6:41
